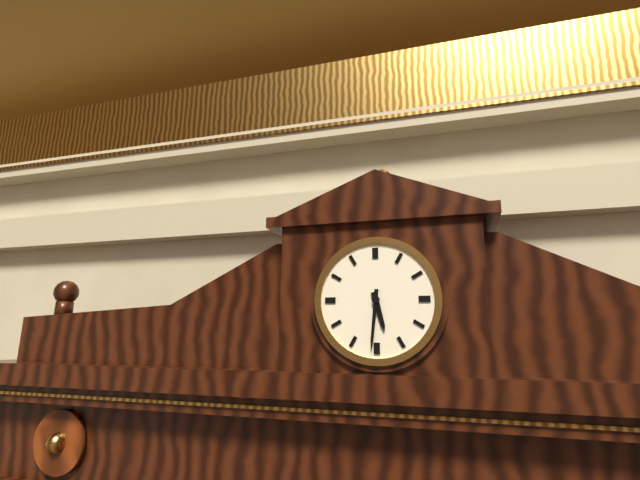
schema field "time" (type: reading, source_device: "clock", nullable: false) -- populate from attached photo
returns 5:31
